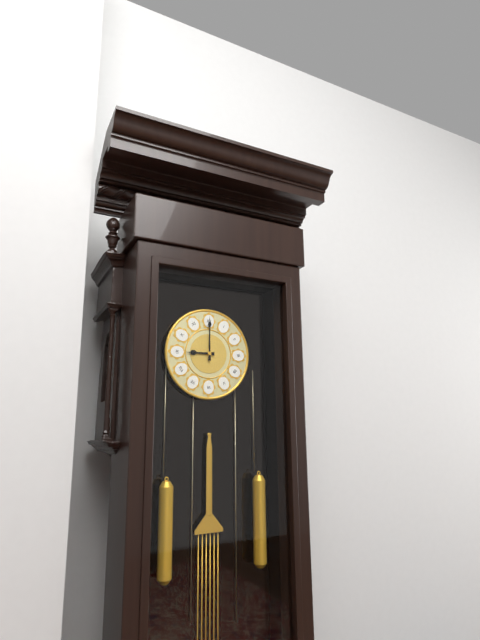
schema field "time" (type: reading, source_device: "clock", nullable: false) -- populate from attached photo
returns 9:00
